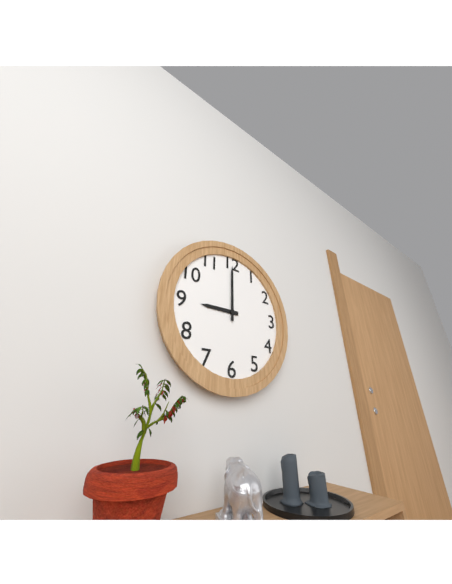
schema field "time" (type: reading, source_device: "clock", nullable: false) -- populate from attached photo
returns 9:00
